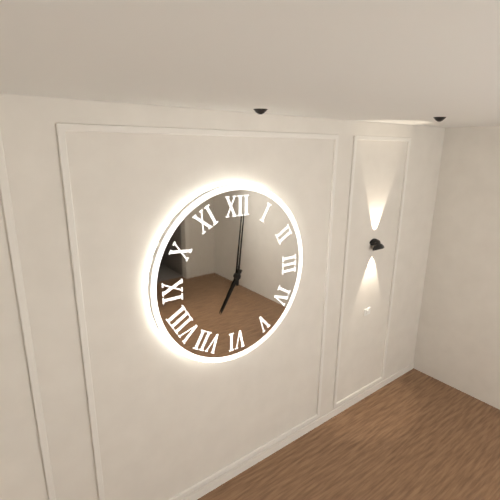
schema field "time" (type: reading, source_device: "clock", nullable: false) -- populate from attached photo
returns 7:01
